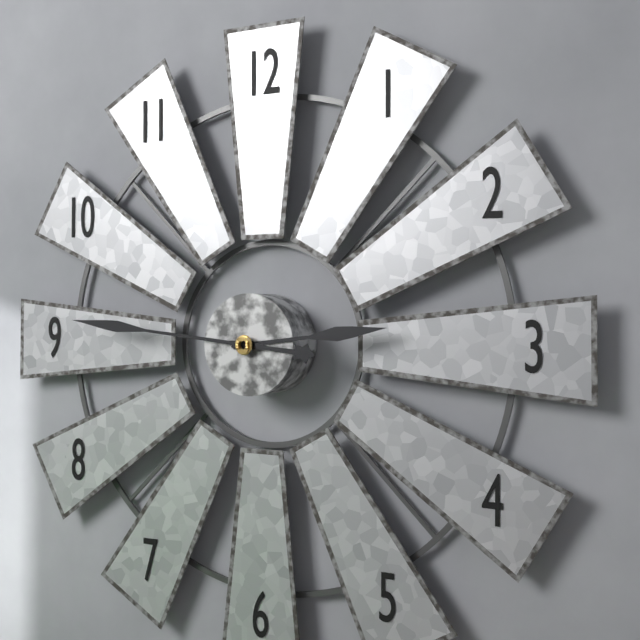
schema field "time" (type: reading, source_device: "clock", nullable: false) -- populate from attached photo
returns 2:46
